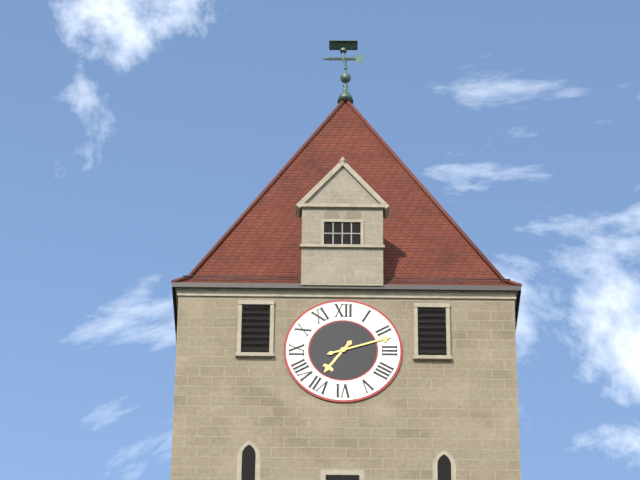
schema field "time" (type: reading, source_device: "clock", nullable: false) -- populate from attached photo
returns 7:12
